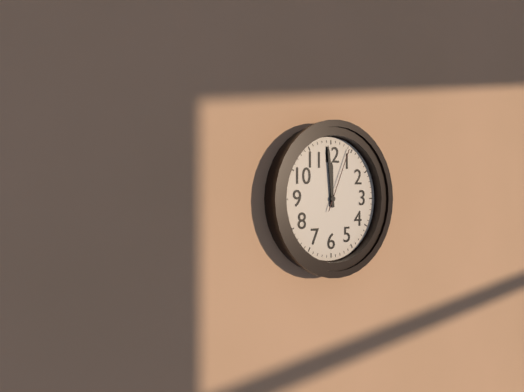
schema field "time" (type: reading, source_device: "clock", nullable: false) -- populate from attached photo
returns 11:59:04
